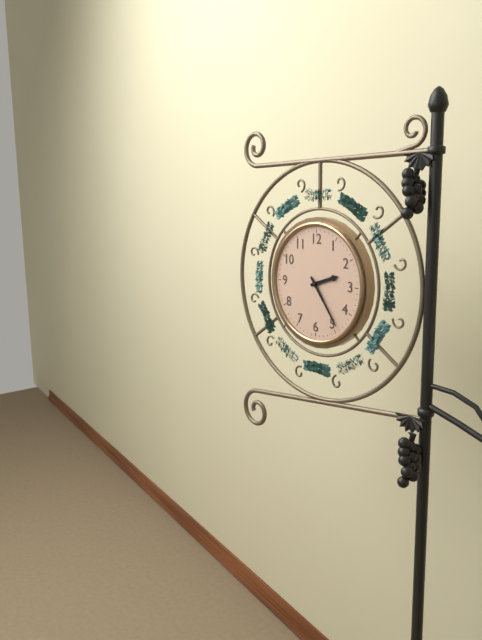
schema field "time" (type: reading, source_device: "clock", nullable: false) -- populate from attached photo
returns 2:24
